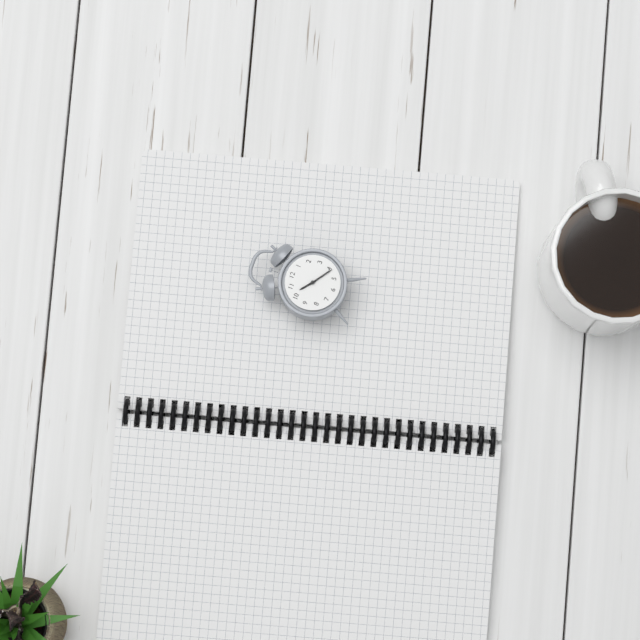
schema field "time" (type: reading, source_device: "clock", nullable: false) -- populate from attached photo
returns 10:21
